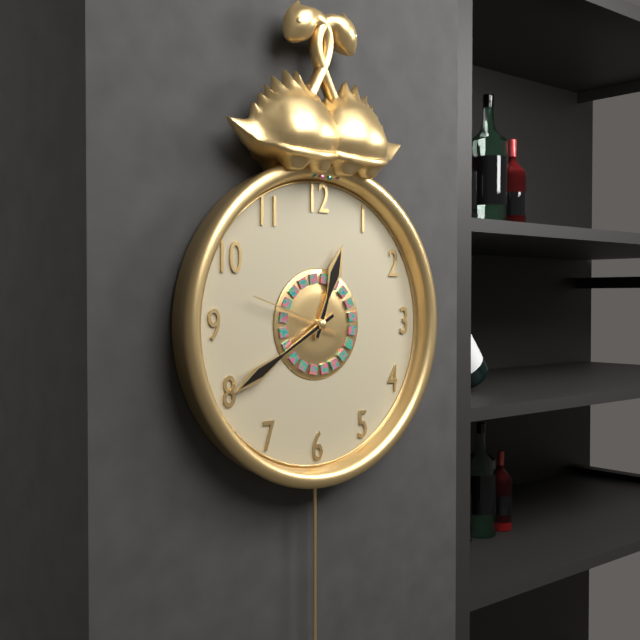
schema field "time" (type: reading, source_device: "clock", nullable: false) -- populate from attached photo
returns 12:40:48
